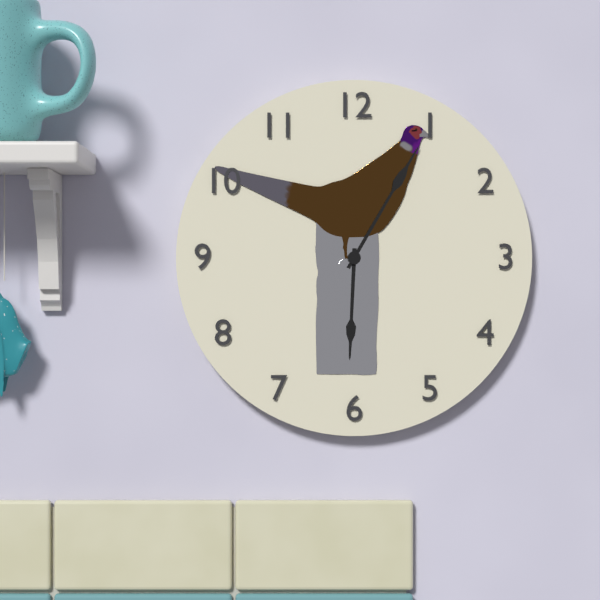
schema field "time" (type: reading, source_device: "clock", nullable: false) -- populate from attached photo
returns 6:05
